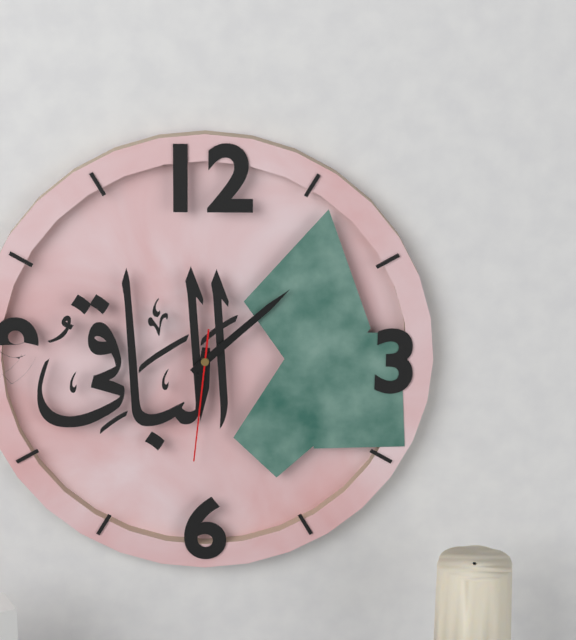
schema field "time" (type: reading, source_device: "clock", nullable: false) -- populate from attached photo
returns 6:08:31
